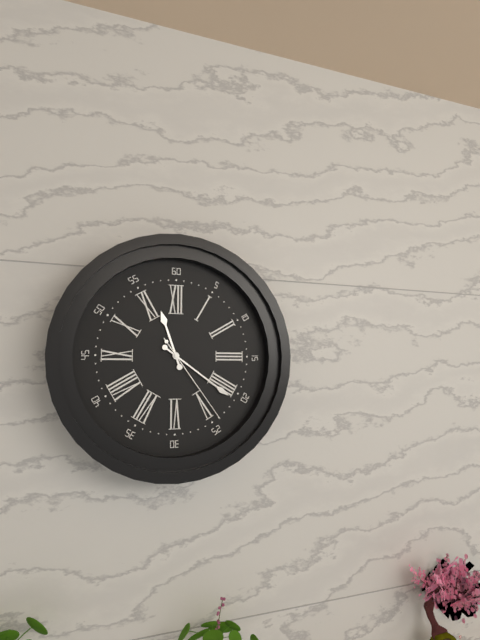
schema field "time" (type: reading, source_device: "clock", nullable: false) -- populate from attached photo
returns 11:21:24
